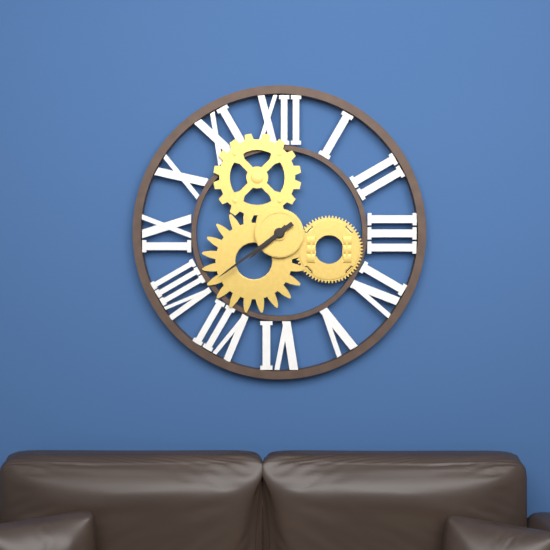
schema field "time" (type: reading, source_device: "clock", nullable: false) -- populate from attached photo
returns 7:39
